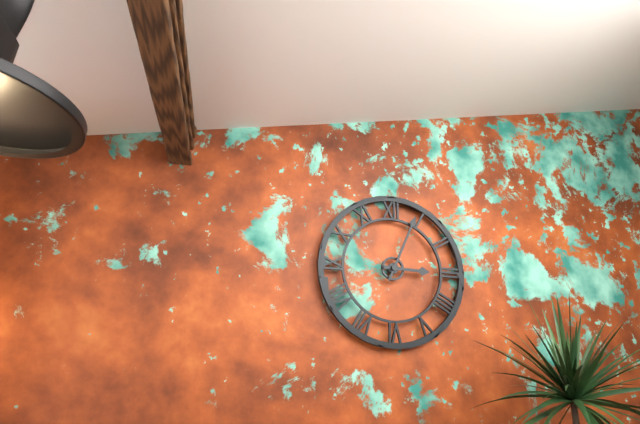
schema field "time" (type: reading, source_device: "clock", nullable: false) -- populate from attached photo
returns 3:04
